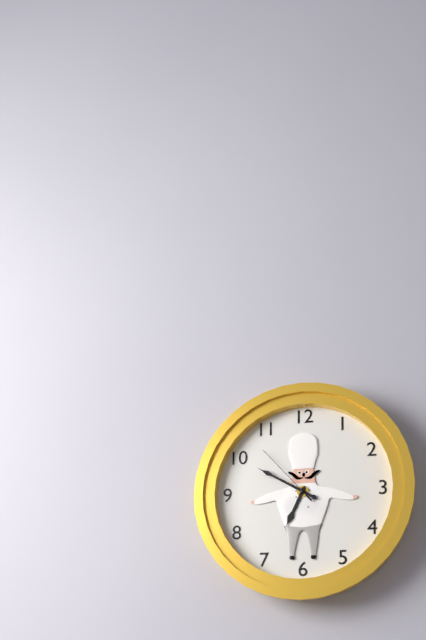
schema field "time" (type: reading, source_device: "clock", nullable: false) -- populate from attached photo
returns 6:50:53
